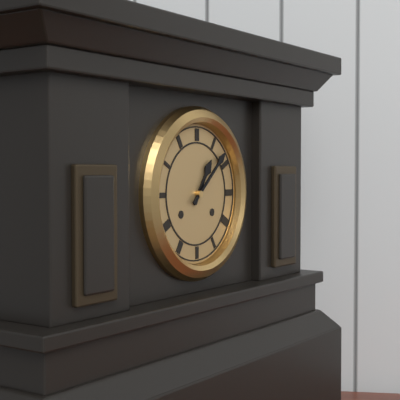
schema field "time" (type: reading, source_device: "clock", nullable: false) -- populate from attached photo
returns 1:08
